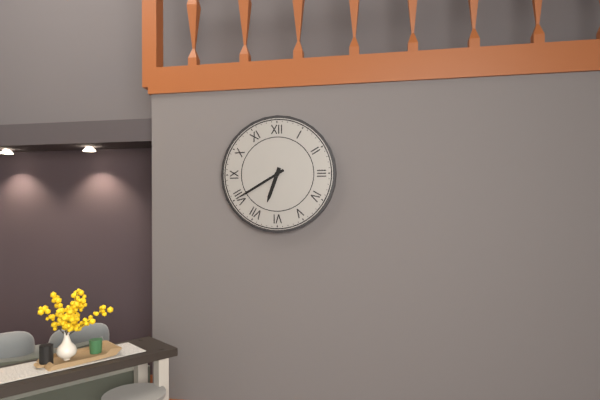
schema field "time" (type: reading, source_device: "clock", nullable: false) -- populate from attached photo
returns 6:40
